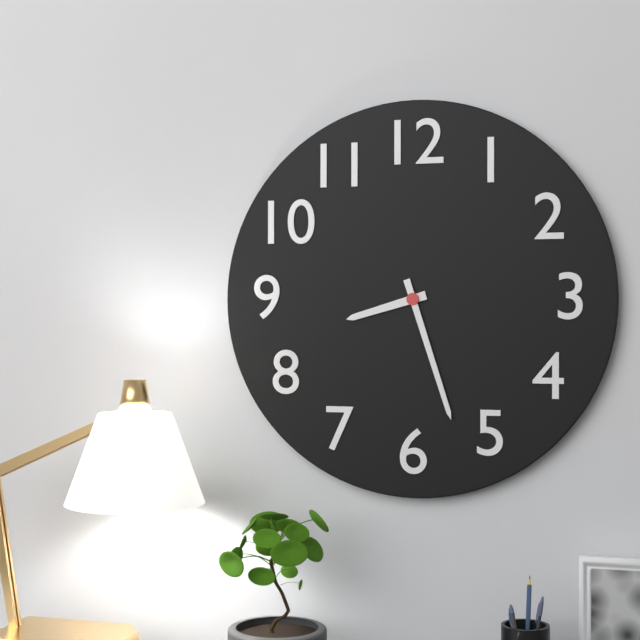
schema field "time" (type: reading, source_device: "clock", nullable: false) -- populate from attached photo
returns 8:27
